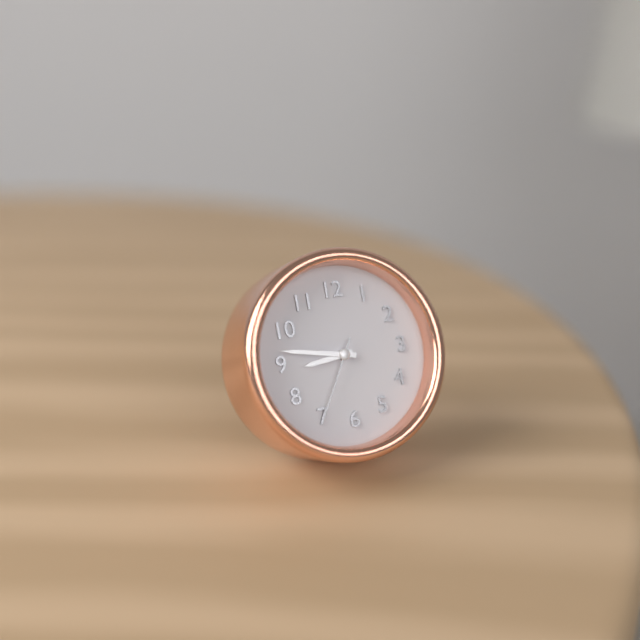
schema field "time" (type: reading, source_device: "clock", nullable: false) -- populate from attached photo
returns 8:47:35
